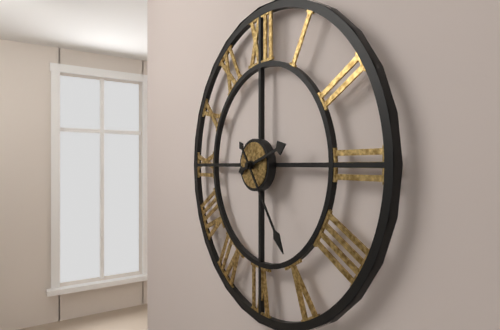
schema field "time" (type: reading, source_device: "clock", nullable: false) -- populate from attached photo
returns 2:24
